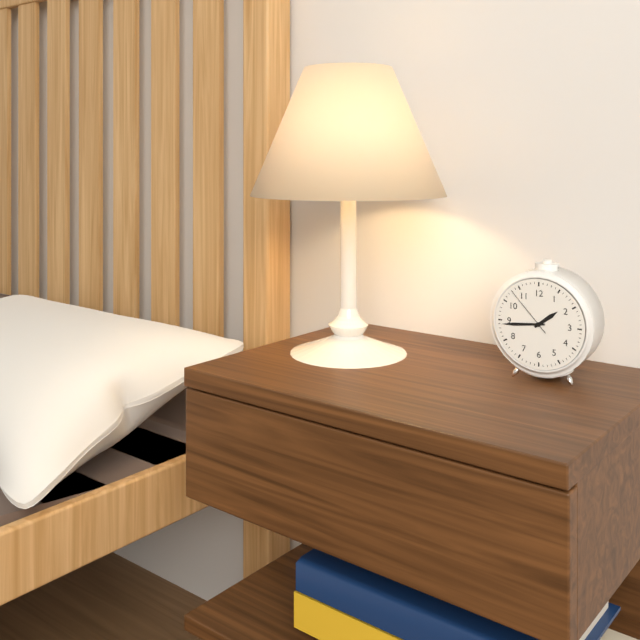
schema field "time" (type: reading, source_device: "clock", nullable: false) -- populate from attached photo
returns 1:44:53
